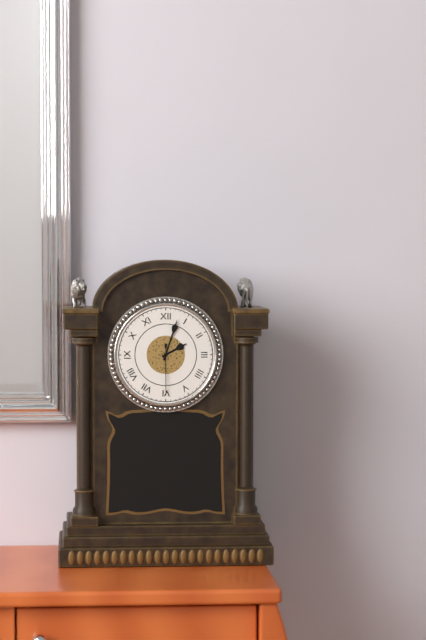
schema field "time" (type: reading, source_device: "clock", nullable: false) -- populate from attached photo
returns 2:03:30
